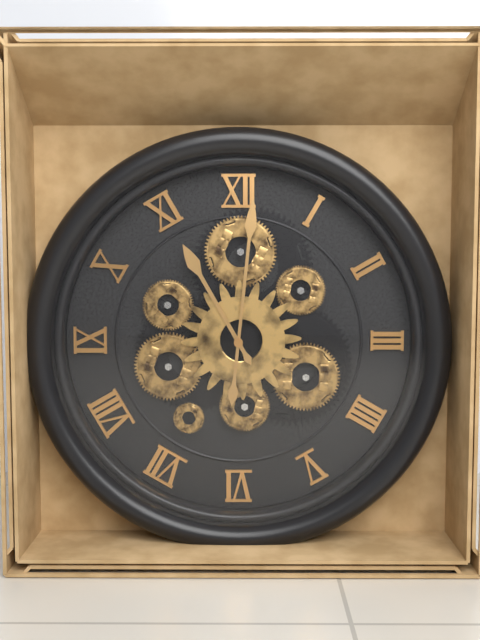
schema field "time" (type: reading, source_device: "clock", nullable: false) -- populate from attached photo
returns 11:01
